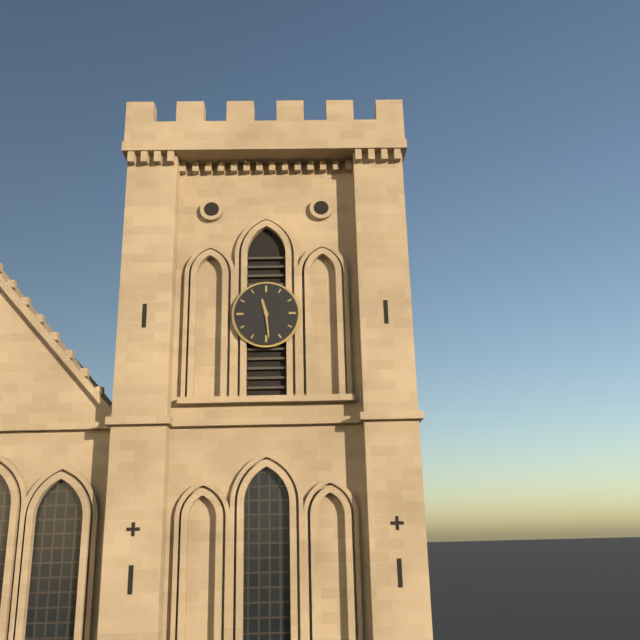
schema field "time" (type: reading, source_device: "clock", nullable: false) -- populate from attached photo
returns 11:29
